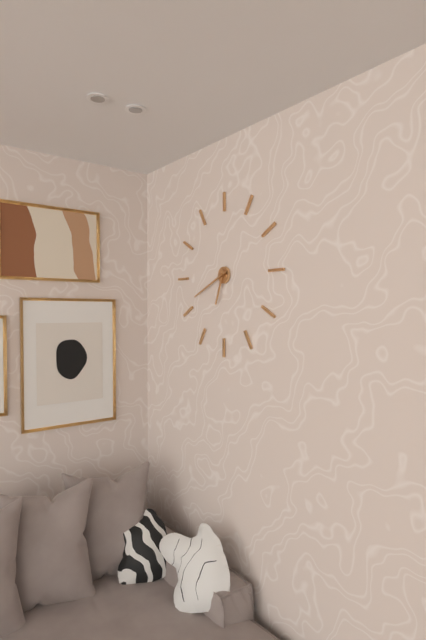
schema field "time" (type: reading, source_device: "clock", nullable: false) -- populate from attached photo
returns 6:41
